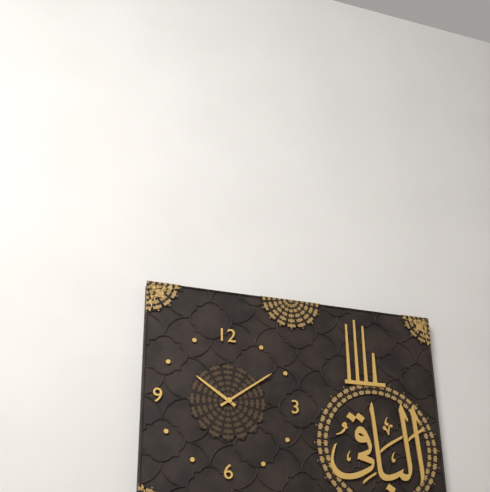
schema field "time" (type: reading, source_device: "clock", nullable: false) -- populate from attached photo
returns 10:09
